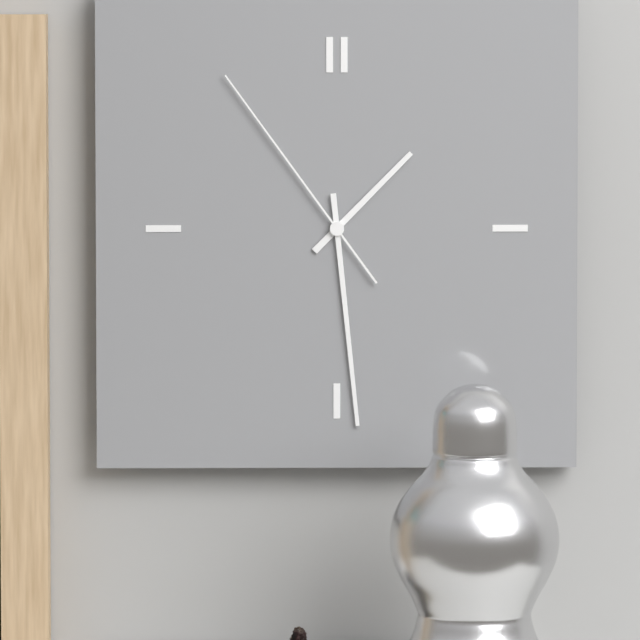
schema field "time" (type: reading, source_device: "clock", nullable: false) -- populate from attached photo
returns 1:29:54
